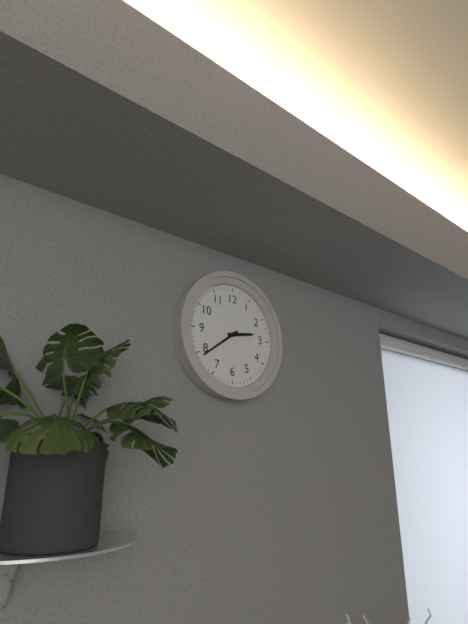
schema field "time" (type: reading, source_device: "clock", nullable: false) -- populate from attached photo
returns 2:39
